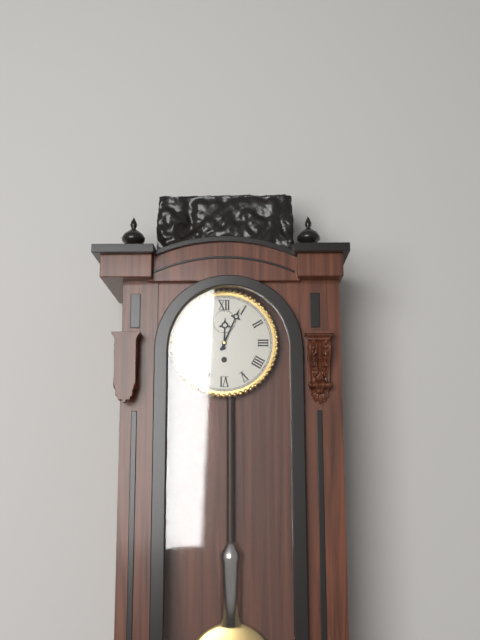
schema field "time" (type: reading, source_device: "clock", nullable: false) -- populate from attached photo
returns 12:04
